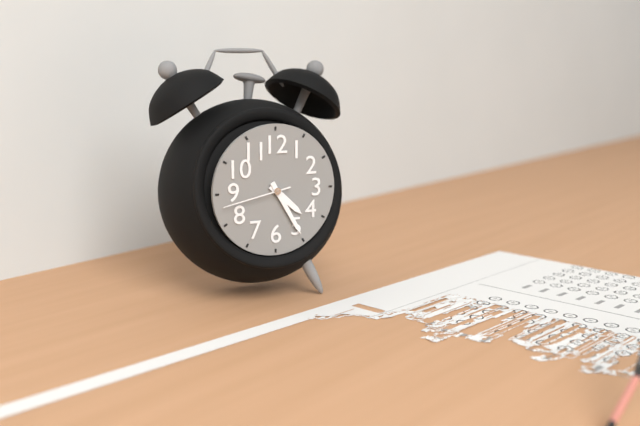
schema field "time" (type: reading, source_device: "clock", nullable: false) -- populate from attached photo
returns 4:25:43
